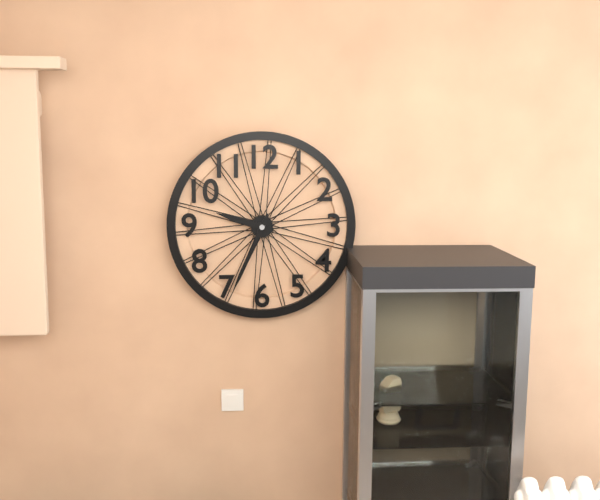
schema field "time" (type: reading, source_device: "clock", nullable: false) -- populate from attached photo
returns 9:34
